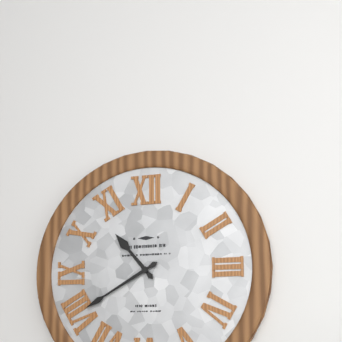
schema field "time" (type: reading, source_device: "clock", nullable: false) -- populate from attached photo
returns 10:40
